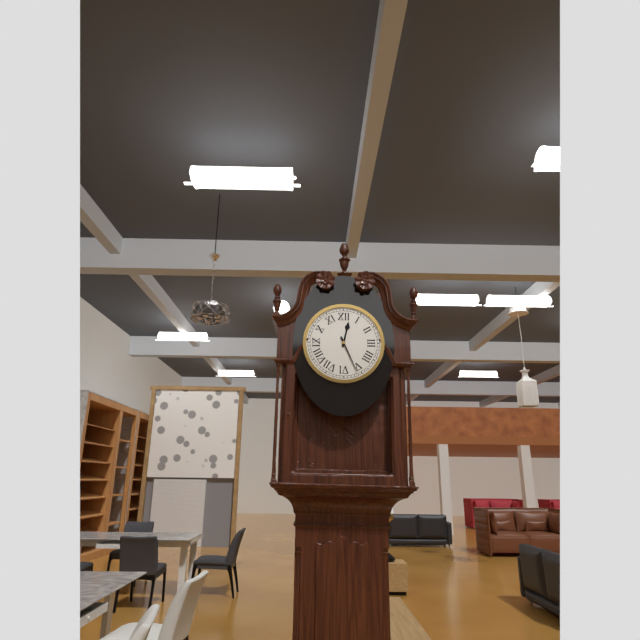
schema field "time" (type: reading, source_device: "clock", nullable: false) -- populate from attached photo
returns 12:26
